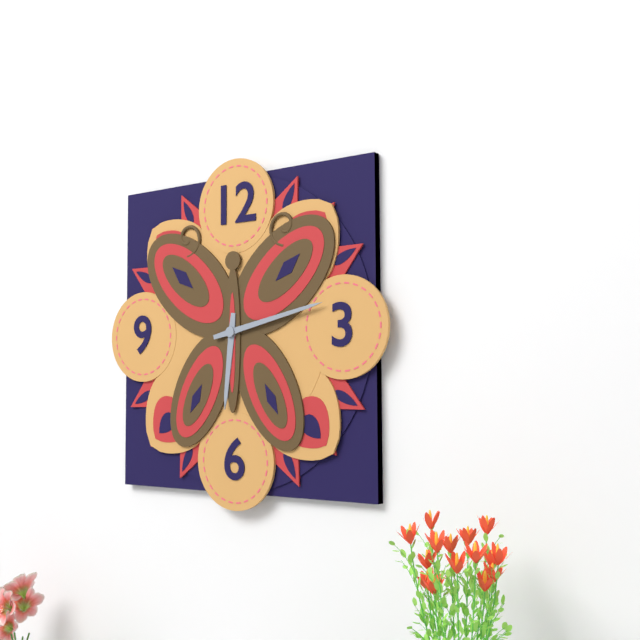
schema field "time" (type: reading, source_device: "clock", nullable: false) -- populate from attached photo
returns 6:13
